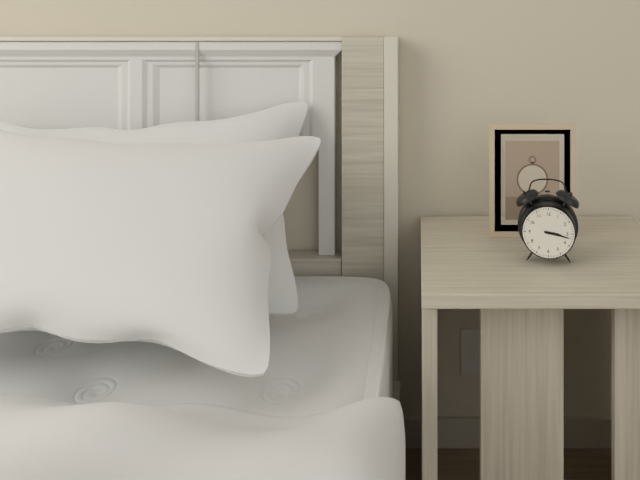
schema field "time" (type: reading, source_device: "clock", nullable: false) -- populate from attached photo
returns 3:17
